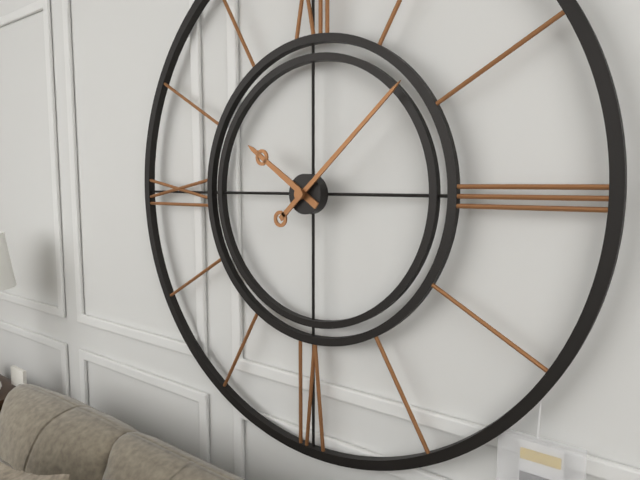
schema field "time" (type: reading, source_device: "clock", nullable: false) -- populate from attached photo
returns 10:08
